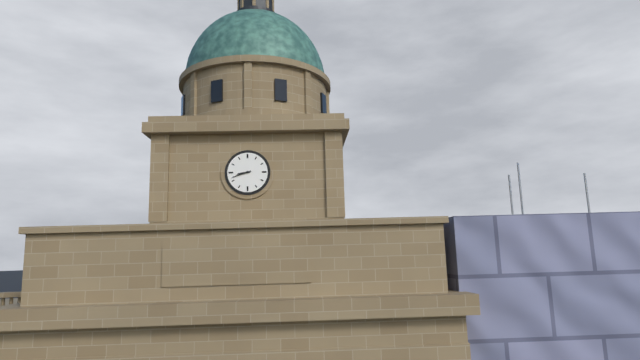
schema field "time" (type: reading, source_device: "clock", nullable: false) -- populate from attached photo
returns 8:42
